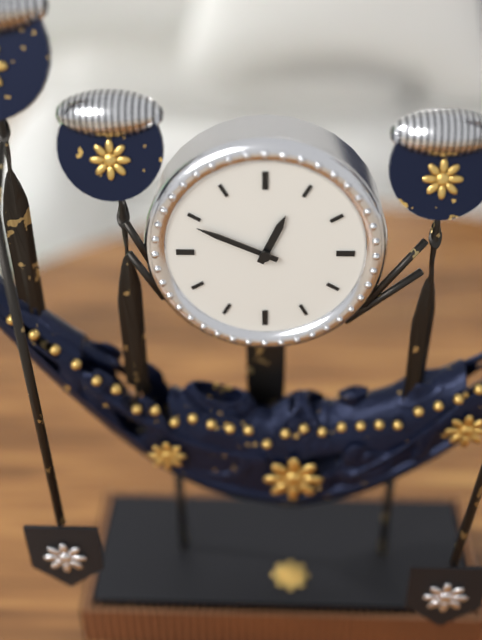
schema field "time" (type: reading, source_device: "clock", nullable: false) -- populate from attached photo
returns 12:49
